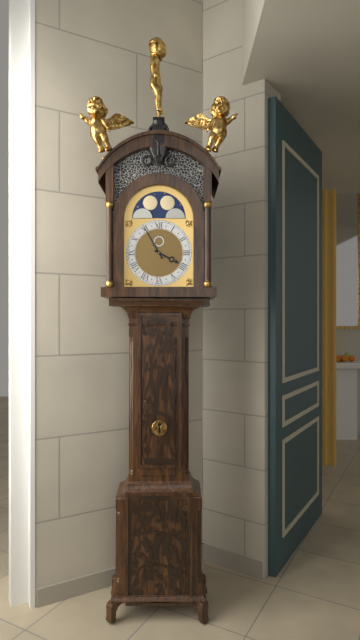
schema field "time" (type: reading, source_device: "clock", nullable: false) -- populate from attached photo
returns 3:55
